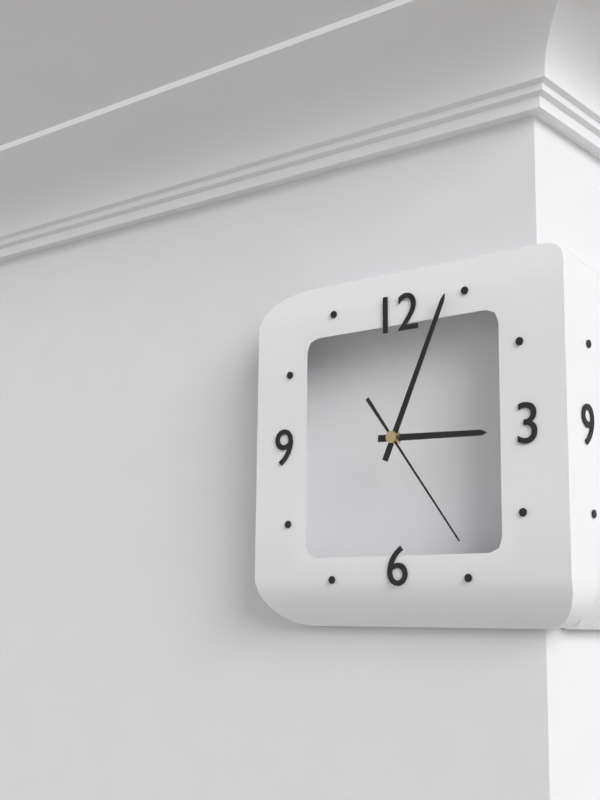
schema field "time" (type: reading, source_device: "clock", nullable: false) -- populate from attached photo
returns 3:04:24
